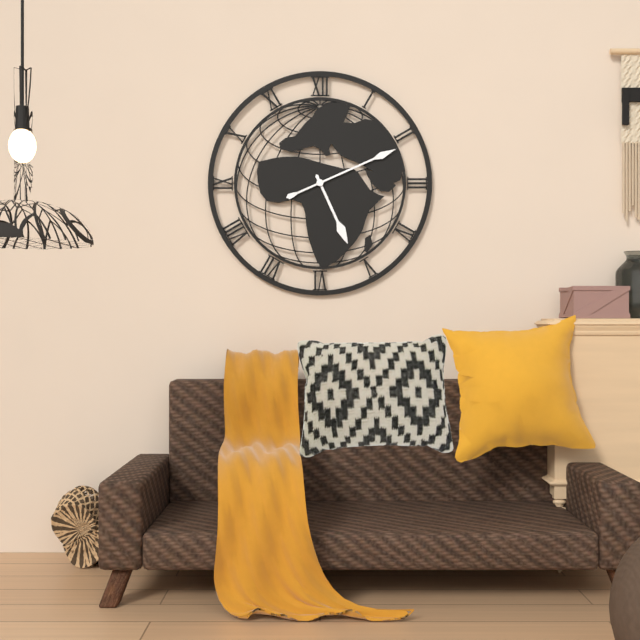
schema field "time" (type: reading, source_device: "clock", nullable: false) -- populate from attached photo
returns 5:11
